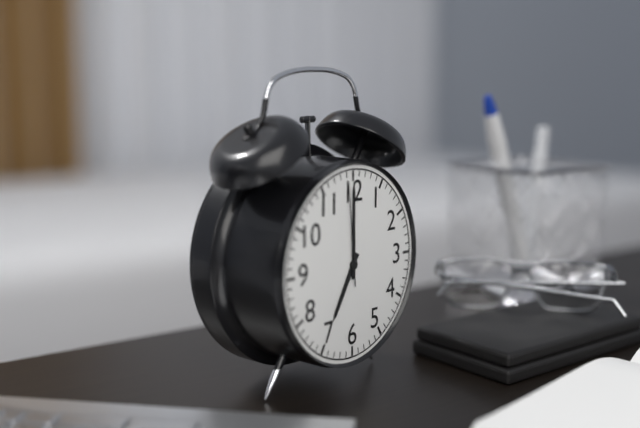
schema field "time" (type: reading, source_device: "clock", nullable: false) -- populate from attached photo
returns 7:00:59
